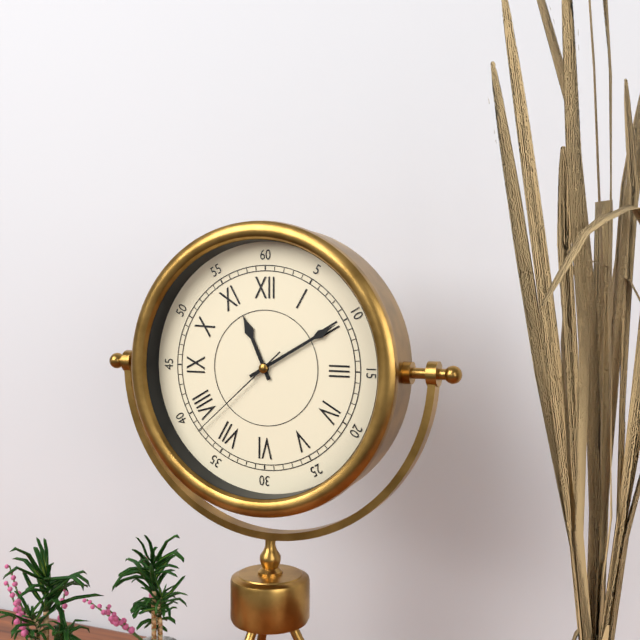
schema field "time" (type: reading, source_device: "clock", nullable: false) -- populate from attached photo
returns 11:10:38
